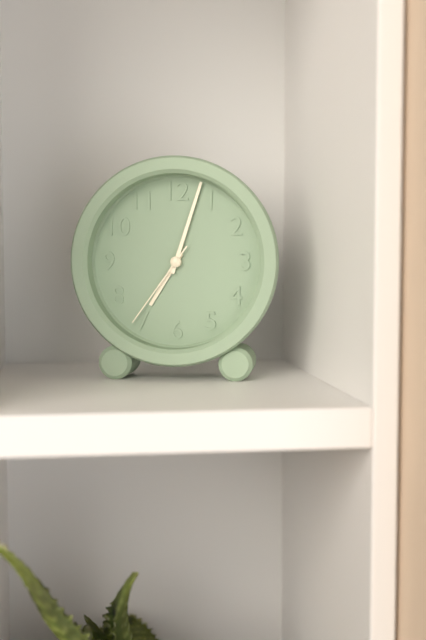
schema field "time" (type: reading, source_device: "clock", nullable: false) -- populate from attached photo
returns 7:03:36
